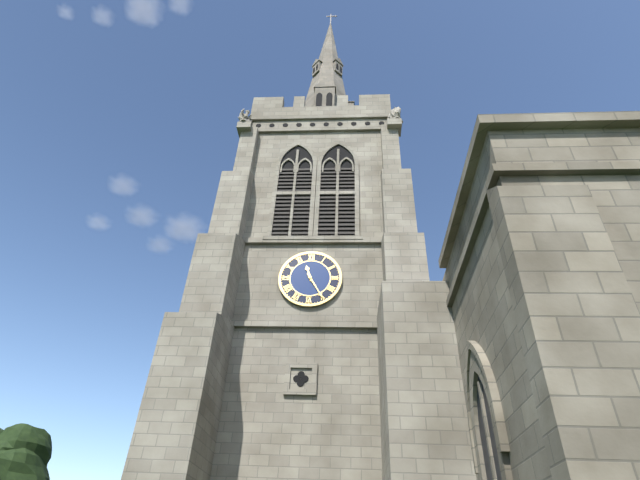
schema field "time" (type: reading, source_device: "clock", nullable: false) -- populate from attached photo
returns 11:25
